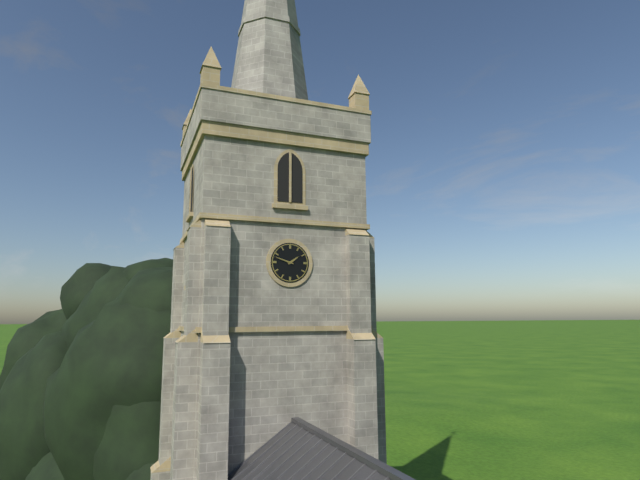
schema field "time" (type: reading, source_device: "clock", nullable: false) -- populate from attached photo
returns 1:48
